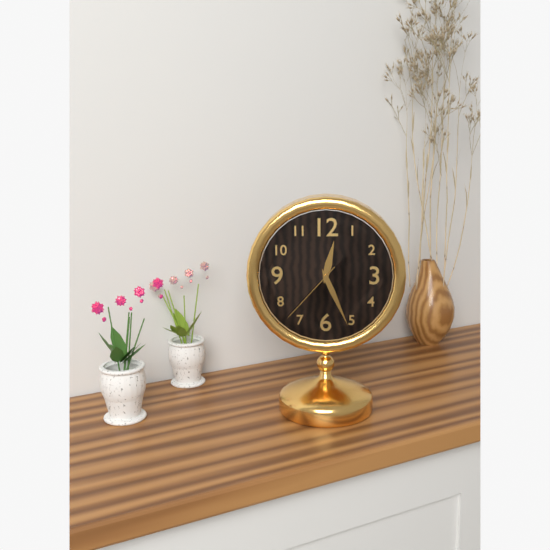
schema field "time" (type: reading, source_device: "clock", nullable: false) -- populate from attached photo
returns 12:26:37
